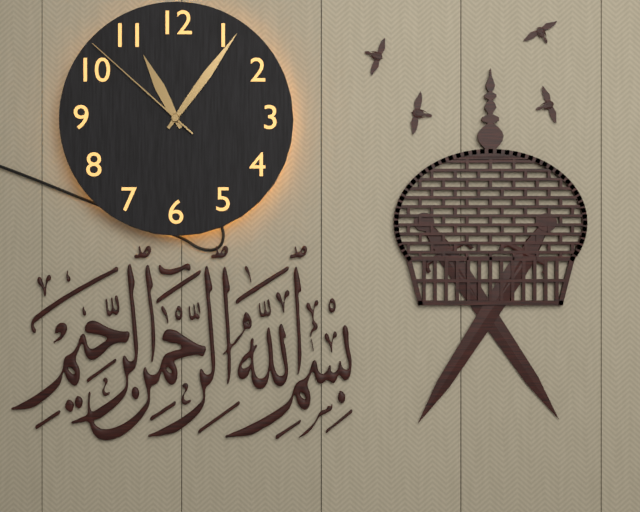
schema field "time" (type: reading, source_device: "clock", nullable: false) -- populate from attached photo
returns 11:06:52
